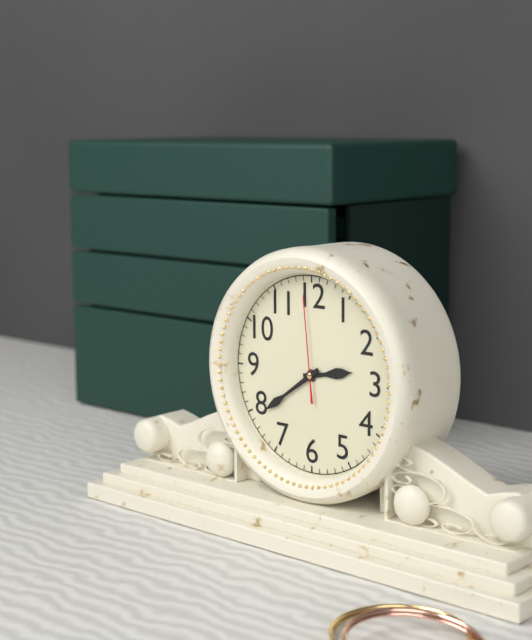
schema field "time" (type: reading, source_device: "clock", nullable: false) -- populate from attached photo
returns 2:39:59
